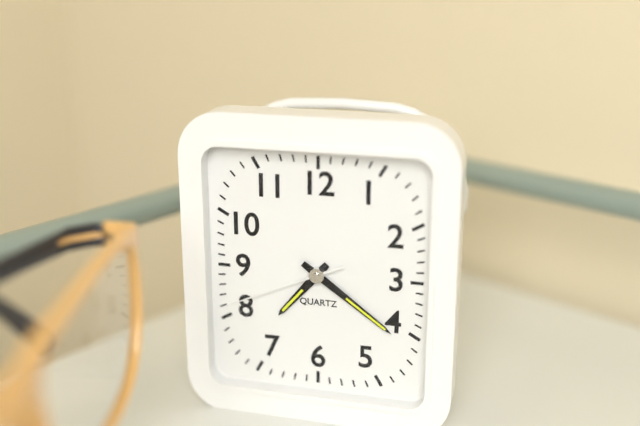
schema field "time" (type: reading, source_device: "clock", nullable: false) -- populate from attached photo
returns 7:21:41
